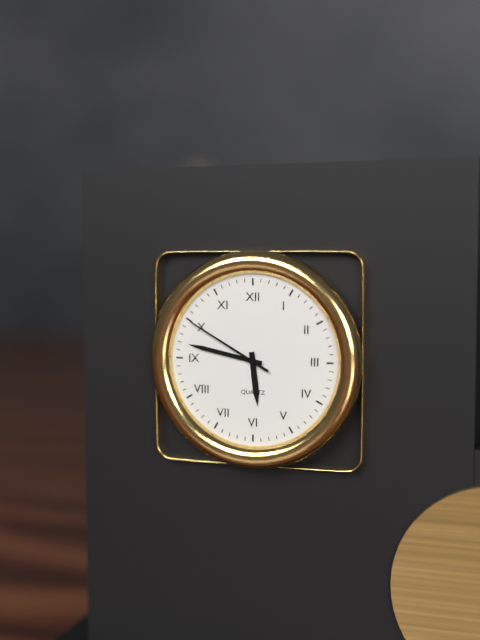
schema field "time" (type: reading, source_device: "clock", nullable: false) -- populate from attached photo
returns 5:47:50
